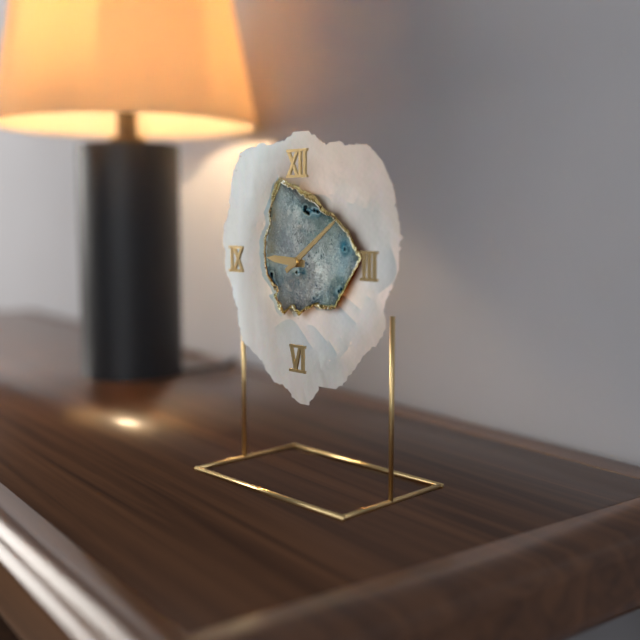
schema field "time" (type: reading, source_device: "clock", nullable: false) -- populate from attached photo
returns 9:09
